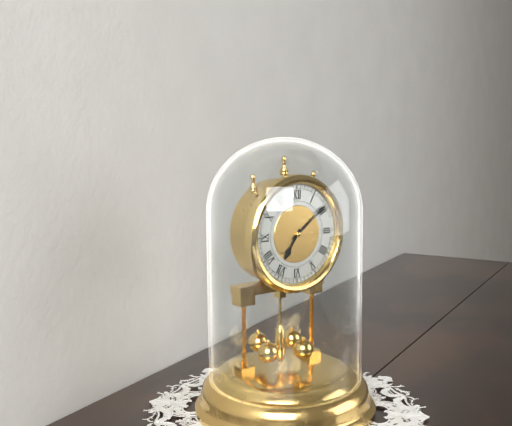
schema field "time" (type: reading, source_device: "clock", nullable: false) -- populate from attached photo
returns 7:09
